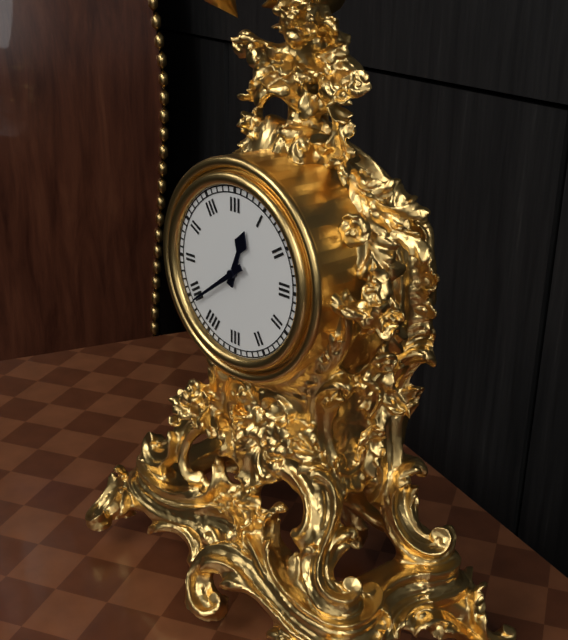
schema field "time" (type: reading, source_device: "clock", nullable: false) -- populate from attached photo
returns 12:39
